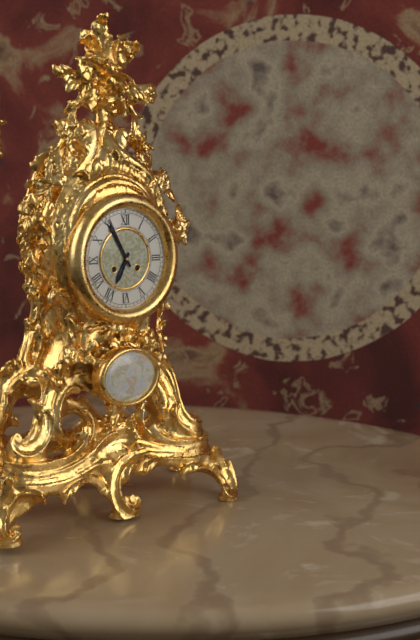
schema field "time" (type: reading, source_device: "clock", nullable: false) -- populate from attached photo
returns 6:55
